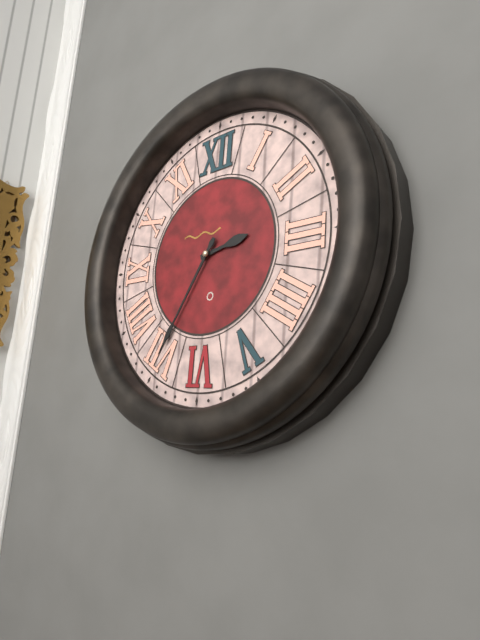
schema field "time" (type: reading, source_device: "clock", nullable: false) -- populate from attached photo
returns 2:35
